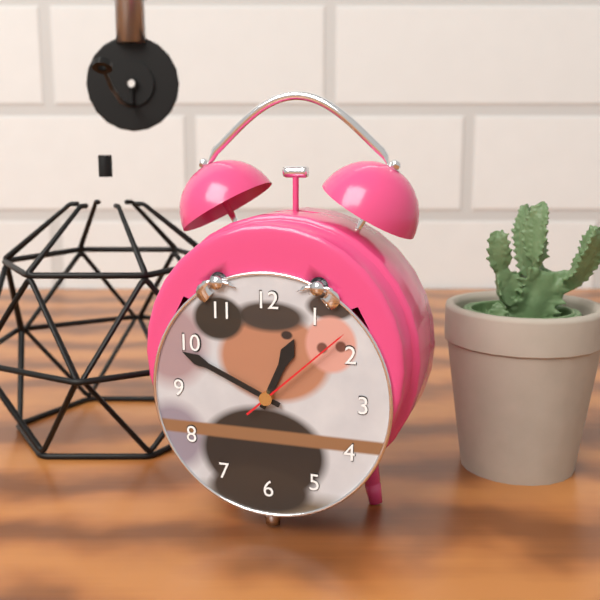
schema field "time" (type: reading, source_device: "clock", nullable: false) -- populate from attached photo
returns 12:49:08
